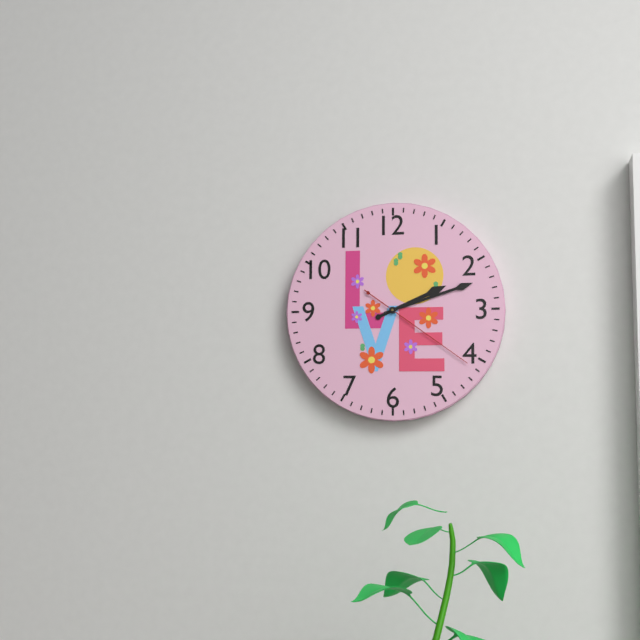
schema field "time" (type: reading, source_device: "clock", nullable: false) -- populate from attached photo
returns 2:12:21
